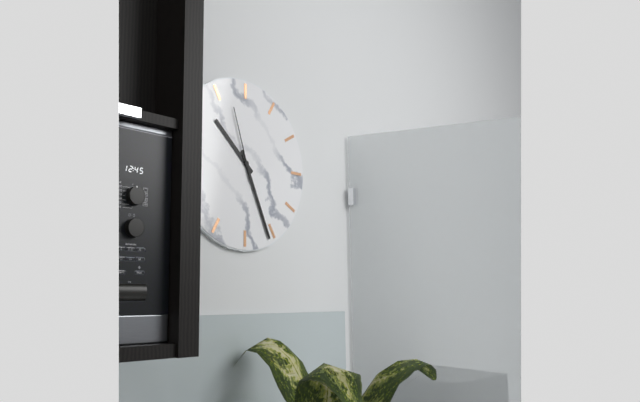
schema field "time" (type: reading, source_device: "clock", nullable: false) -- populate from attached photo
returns 10:26:57
